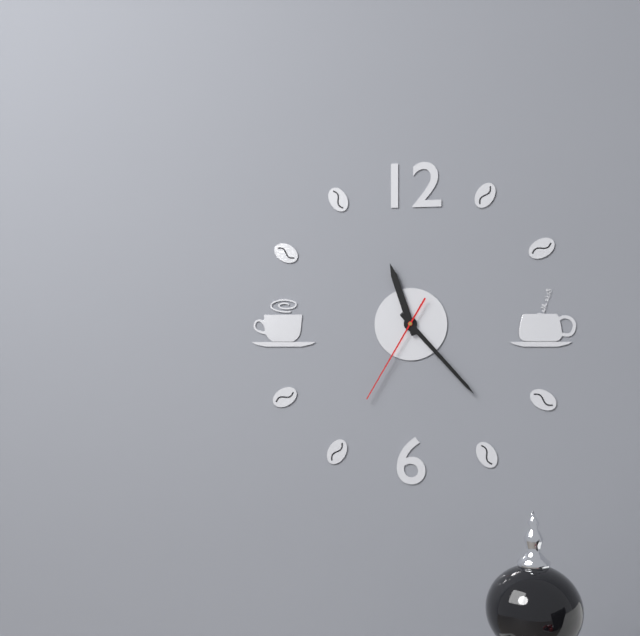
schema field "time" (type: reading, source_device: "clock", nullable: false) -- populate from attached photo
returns 11:23:35
